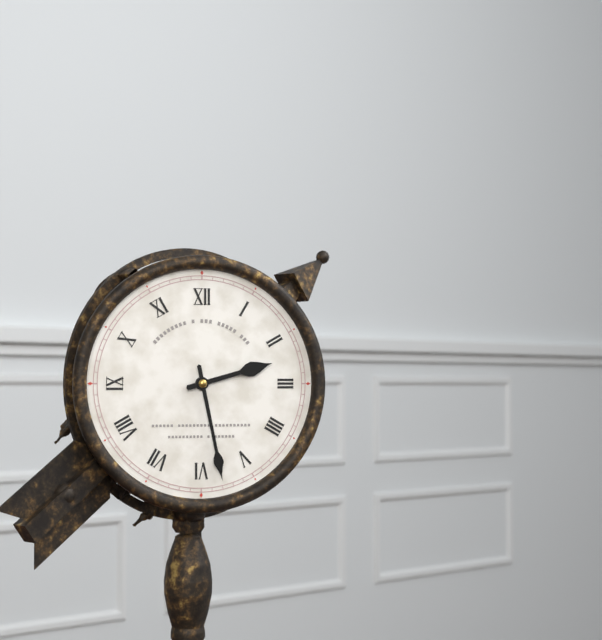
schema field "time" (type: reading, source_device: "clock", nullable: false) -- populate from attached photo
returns 2:28
